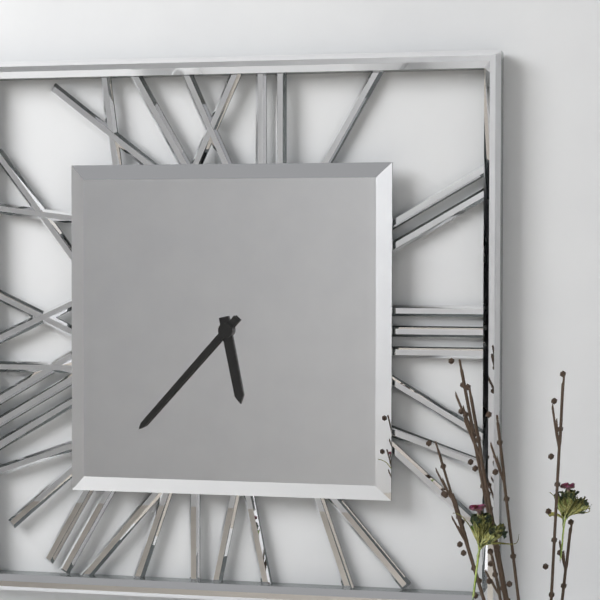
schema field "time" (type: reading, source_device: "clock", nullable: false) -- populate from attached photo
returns 5:37
